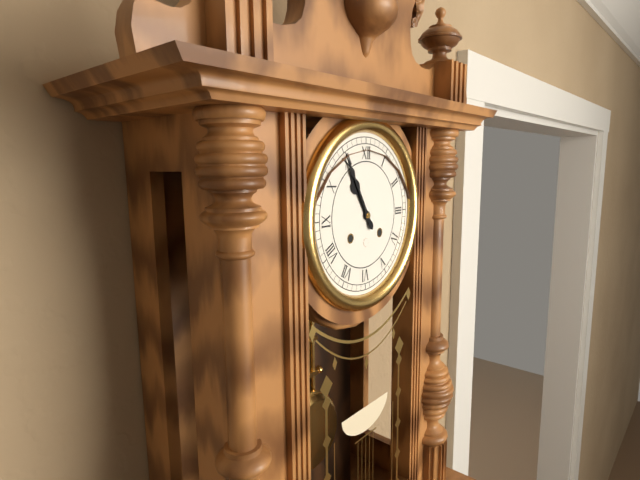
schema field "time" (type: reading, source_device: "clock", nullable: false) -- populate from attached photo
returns 10:55
